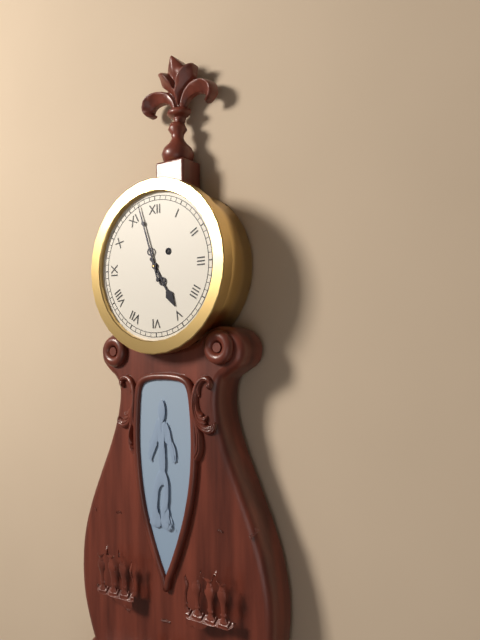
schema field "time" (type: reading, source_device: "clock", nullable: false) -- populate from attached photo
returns 4:57
